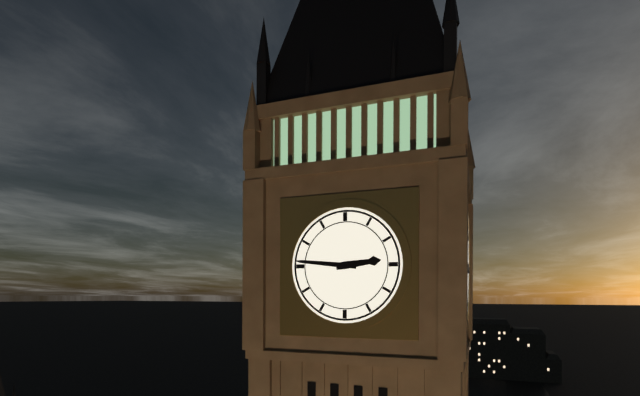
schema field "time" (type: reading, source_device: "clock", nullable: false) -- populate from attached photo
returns 2:46
